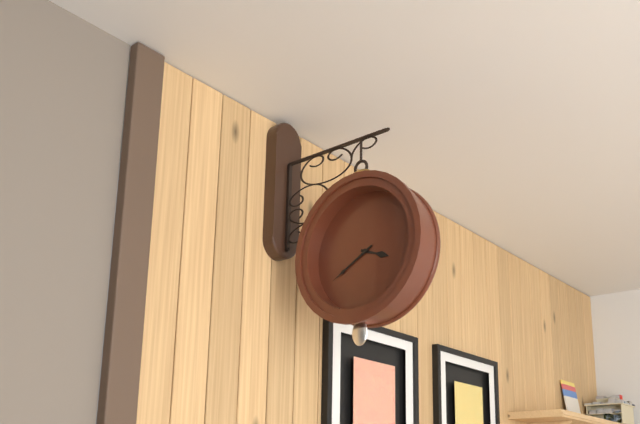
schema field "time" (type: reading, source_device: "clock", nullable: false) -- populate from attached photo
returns 3:40
